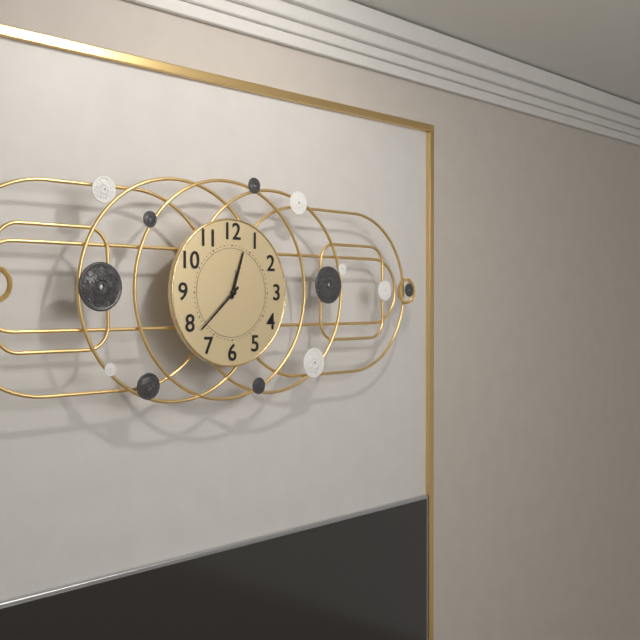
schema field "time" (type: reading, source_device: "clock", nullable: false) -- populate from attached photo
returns 12:38
